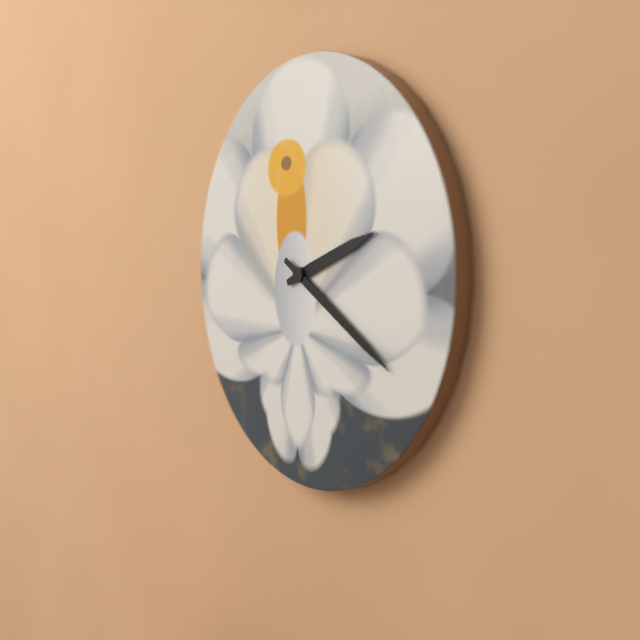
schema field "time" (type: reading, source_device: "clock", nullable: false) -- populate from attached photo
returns 2:20
